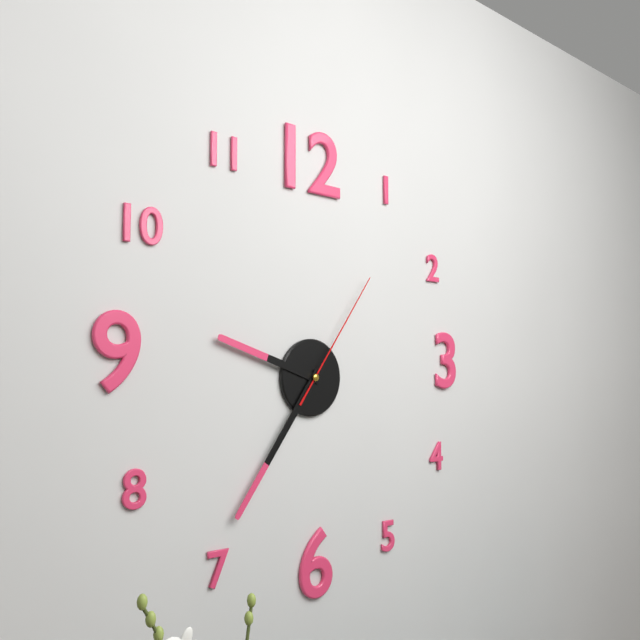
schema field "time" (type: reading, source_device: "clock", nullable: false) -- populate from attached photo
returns 9:36:06
